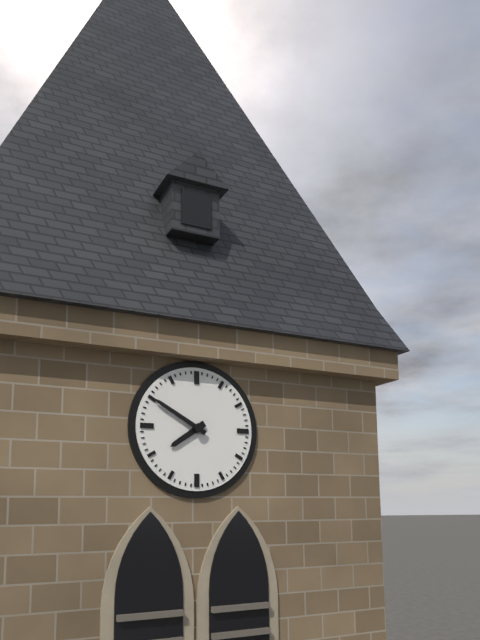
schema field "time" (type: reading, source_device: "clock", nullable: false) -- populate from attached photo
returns 7:50
